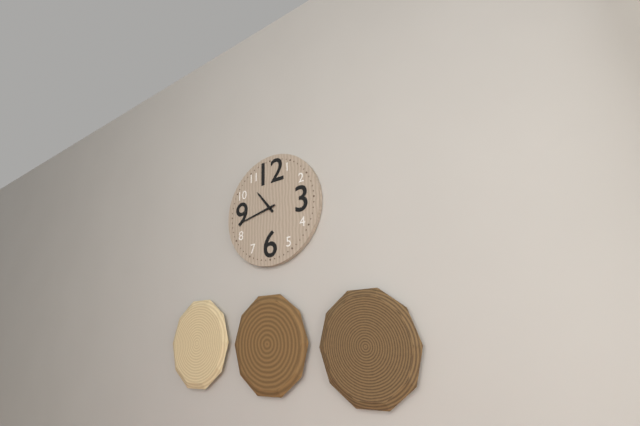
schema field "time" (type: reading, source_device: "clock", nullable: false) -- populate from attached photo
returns 10:43
